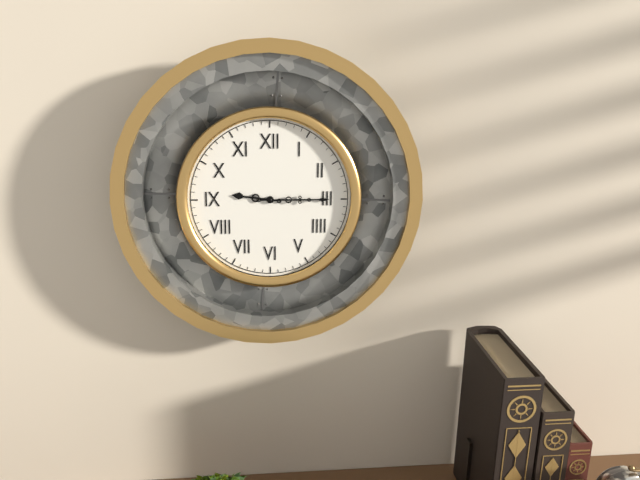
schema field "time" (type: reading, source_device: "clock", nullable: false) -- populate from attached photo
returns 9:15
